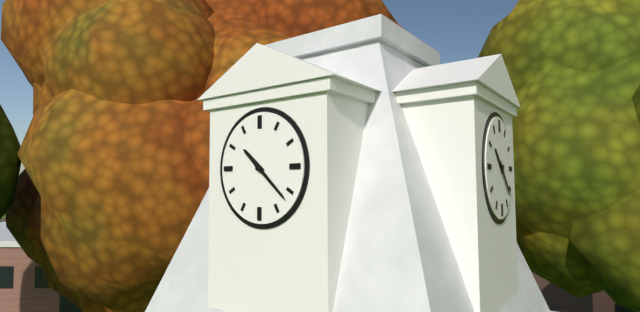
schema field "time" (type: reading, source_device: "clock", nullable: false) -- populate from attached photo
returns 10:22
